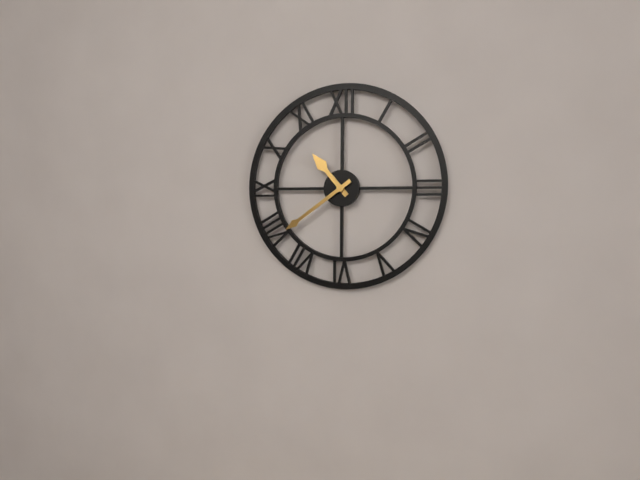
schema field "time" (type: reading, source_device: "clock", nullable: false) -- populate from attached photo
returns 10:39
